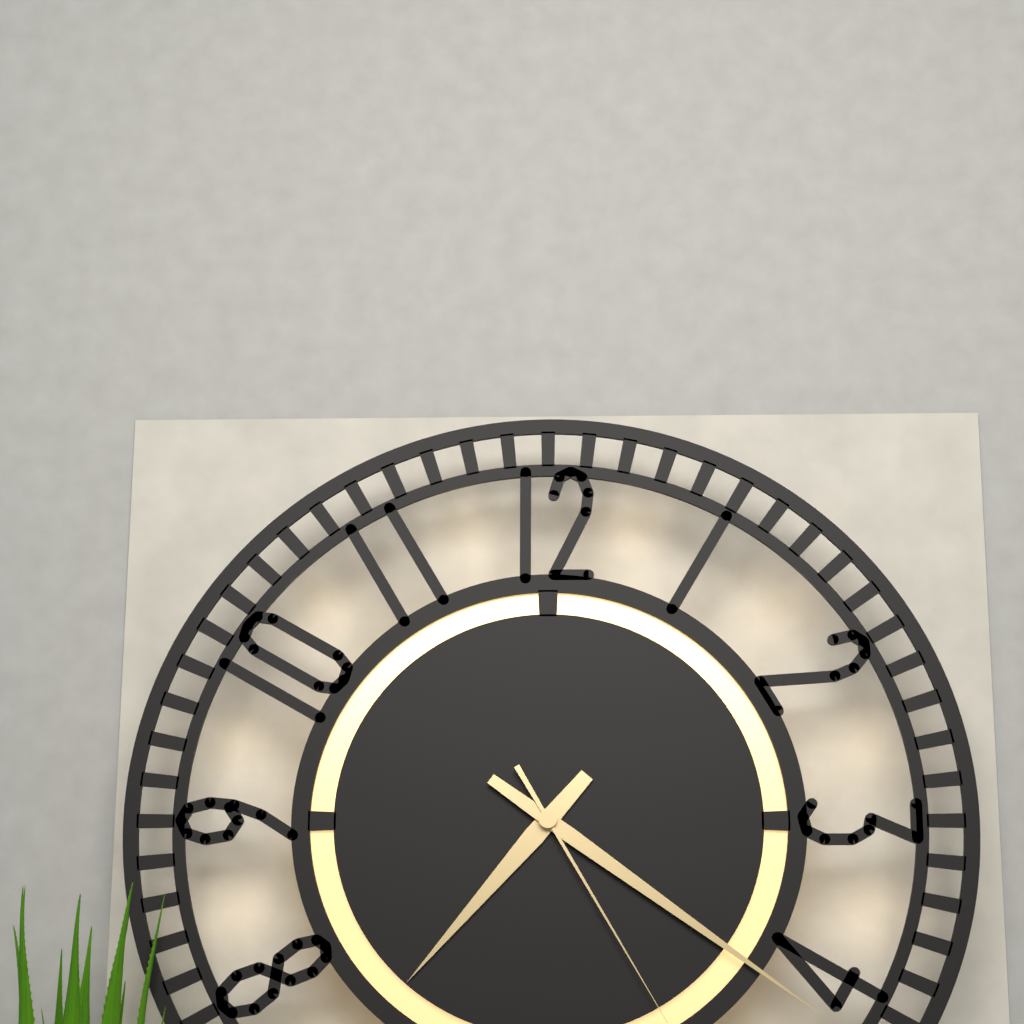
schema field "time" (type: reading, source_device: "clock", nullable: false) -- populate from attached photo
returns 7:21
